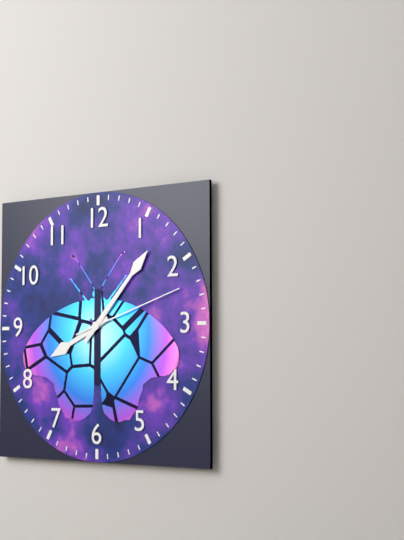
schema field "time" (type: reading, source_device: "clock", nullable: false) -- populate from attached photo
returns 8:07:12
